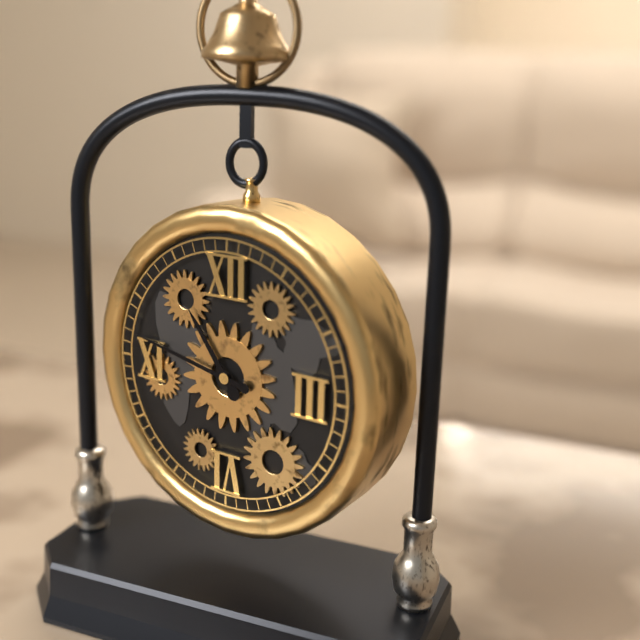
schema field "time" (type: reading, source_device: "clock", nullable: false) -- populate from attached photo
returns 10:47
